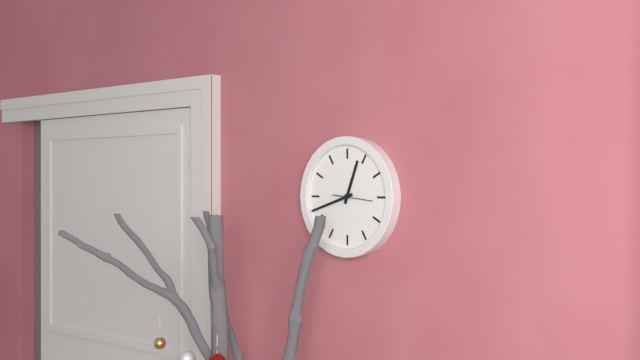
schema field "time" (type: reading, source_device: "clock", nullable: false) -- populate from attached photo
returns 12:42
